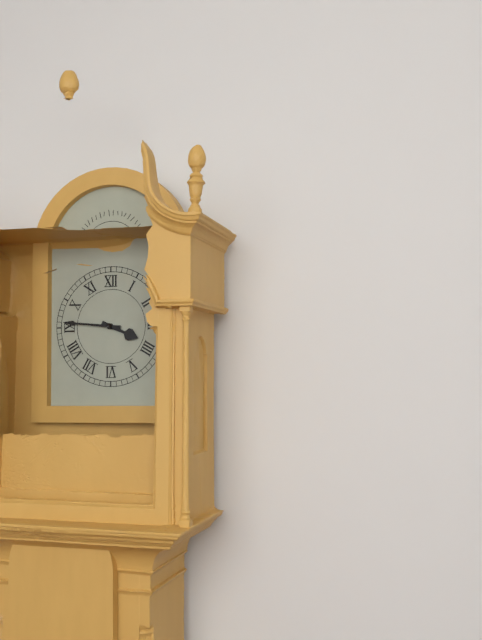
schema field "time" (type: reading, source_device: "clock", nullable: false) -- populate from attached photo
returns 3:46
